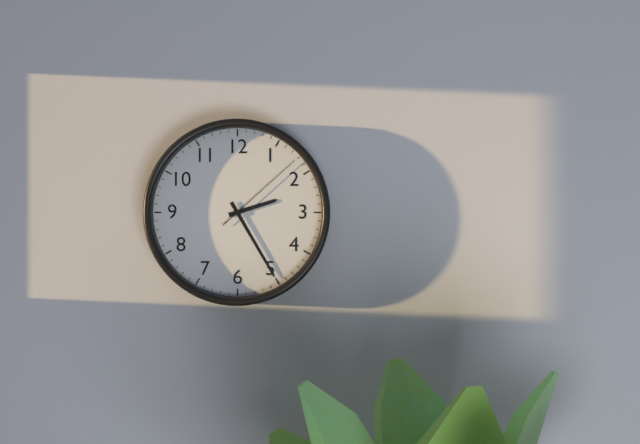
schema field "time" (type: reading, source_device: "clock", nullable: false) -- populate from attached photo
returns 2:25:08
